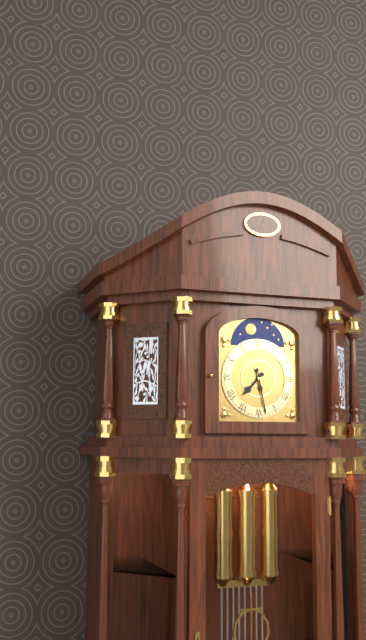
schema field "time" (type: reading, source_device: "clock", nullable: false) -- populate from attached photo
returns 7:28
